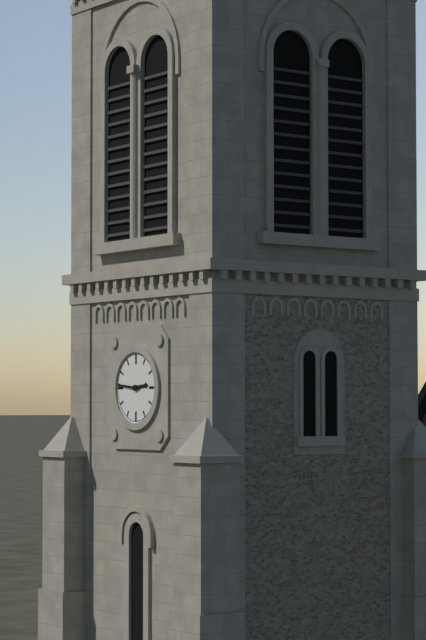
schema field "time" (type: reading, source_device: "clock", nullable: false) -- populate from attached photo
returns 2:46
